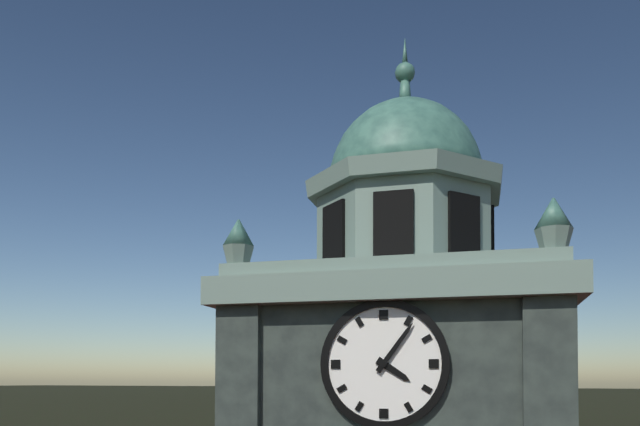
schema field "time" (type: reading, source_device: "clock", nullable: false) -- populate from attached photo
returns 4:06
